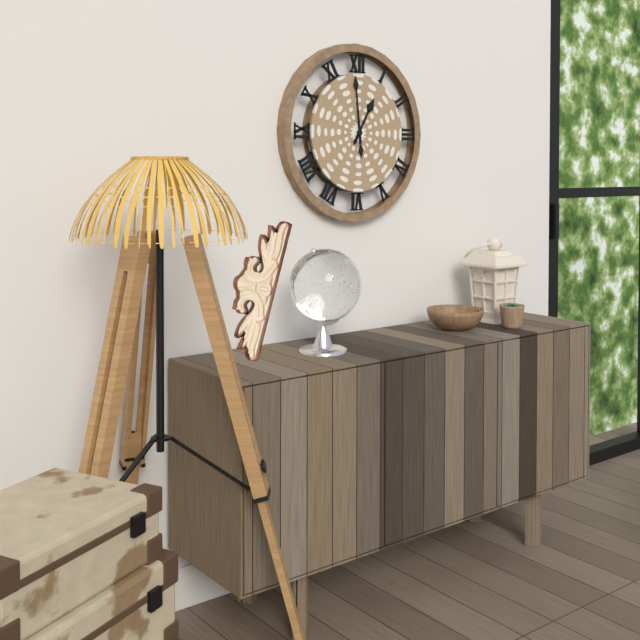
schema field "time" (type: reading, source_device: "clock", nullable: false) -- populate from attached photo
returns 12:59
